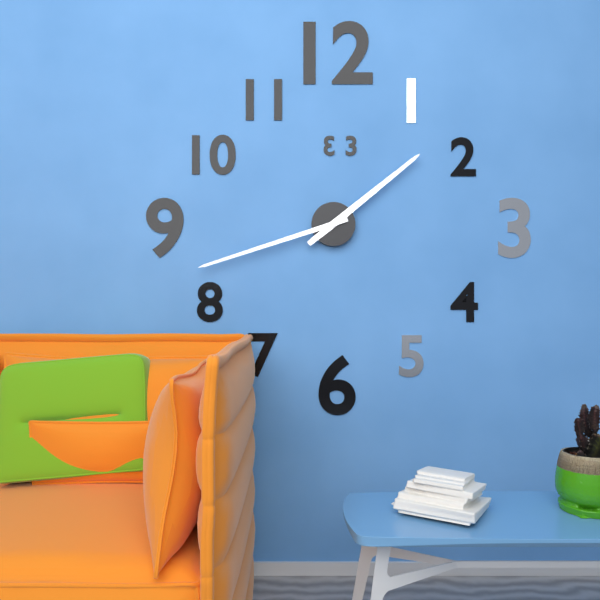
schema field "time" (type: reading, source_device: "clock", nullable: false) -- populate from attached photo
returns 1:42
